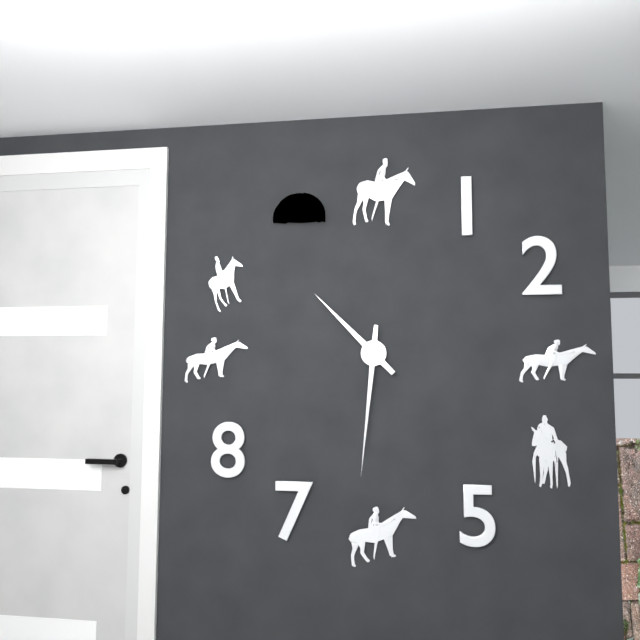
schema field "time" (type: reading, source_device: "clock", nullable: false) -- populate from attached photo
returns 10:31
